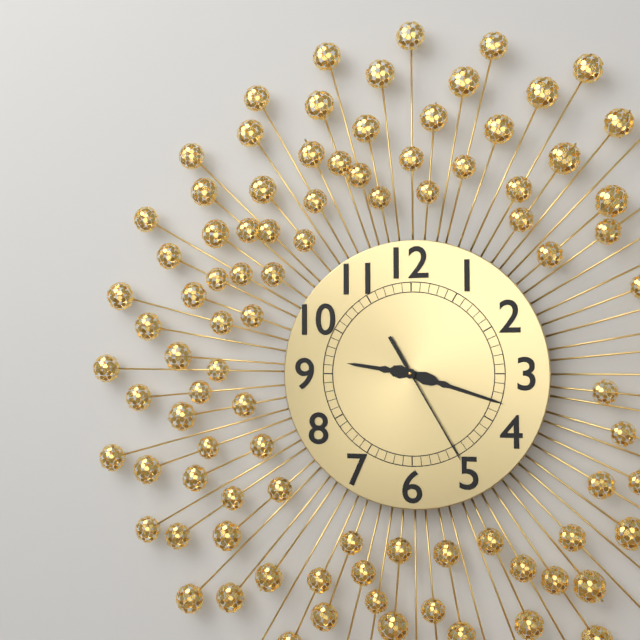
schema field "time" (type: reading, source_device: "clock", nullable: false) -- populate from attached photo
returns 9:18:25
